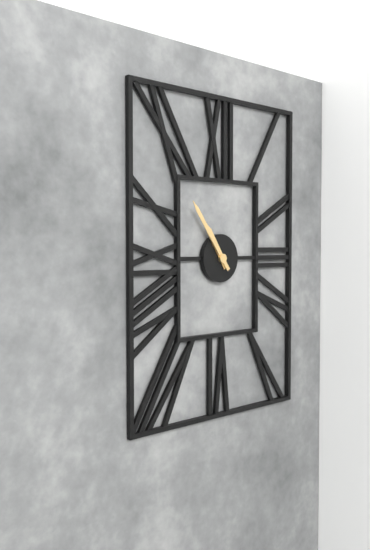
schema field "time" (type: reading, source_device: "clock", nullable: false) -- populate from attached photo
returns 10:54
